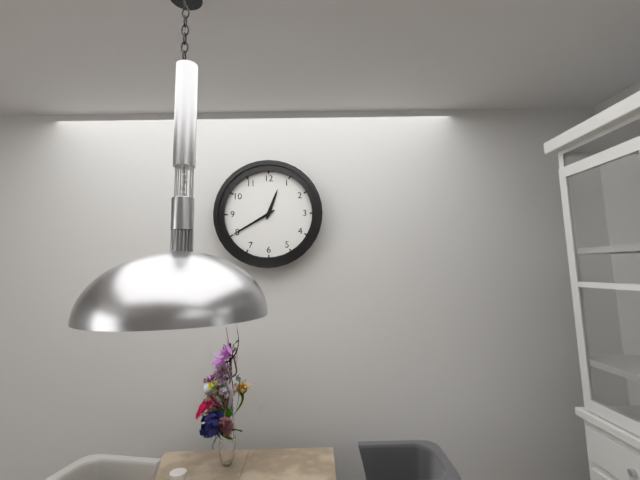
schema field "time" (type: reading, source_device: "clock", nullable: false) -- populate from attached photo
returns 12:40
